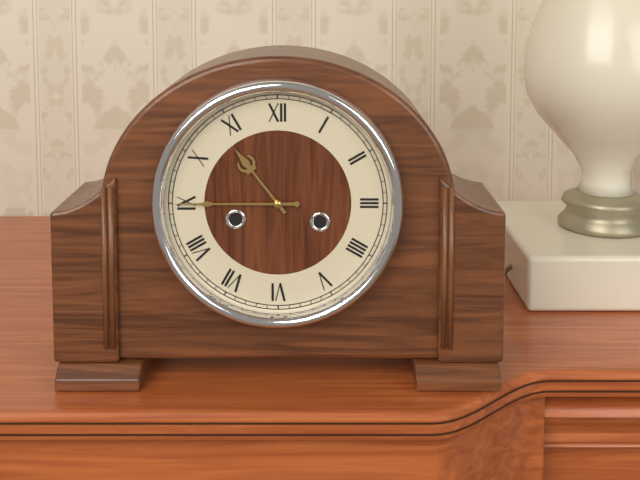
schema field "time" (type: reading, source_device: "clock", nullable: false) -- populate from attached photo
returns 10:45
